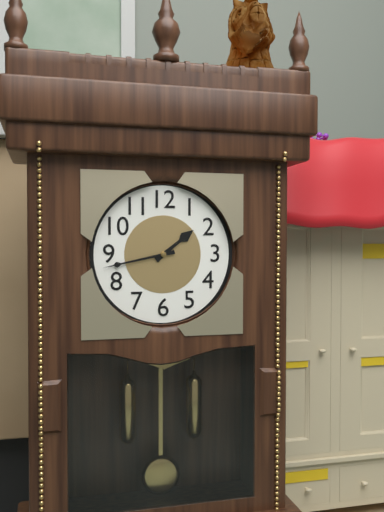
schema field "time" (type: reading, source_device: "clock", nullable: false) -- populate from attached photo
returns 1:43
